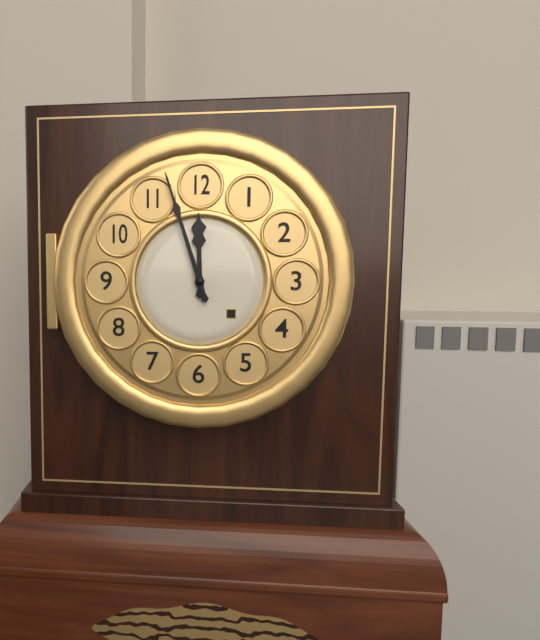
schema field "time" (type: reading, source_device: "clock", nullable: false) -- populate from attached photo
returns 11:57
